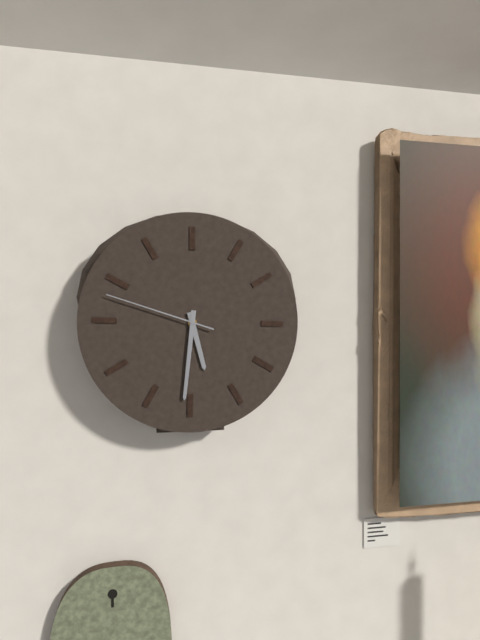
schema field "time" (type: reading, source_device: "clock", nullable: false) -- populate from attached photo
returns 5:31:48
